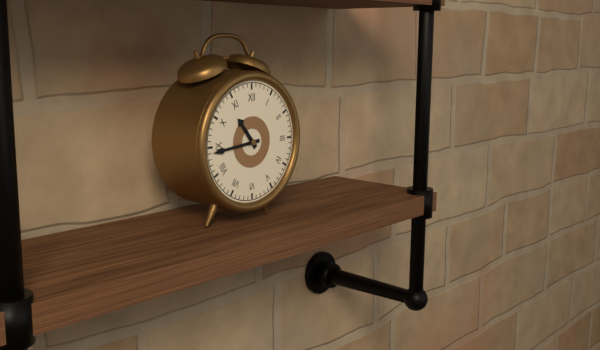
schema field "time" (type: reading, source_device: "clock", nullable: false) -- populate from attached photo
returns 10:44
